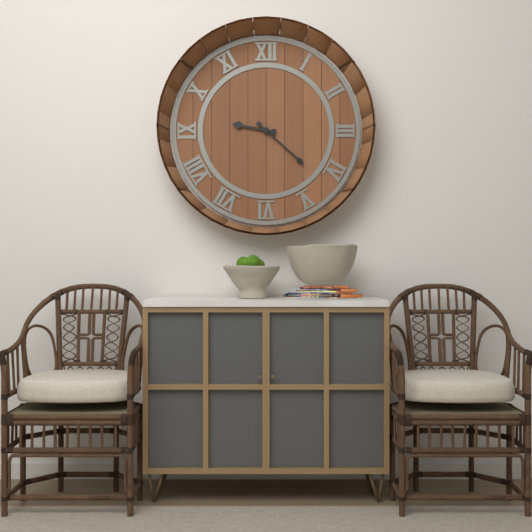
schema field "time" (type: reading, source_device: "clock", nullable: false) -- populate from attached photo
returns 9:22
